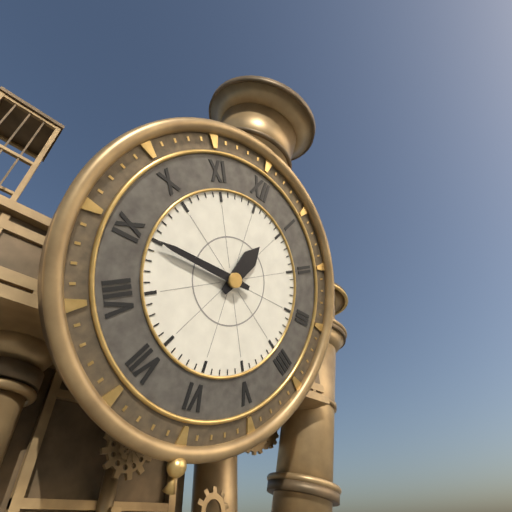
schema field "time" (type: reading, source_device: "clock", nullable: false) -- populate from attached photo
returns 12:45
